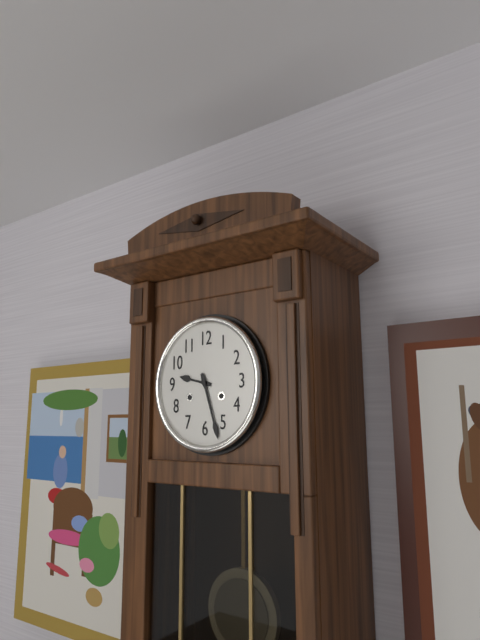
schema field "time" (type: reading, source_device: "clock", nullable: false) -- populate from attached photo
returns 9:27
